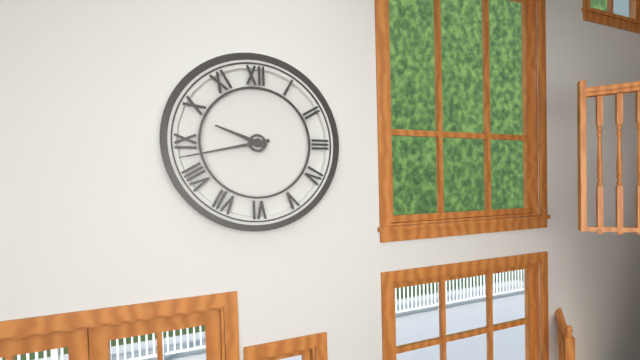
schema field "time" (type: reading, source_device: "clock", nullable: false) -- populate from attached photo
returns 9:43
